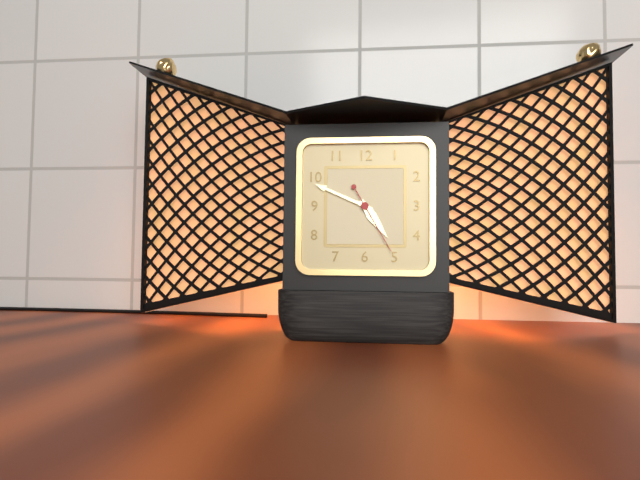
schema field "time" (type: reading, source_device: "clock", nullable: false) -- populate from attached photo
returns 4:49:25
